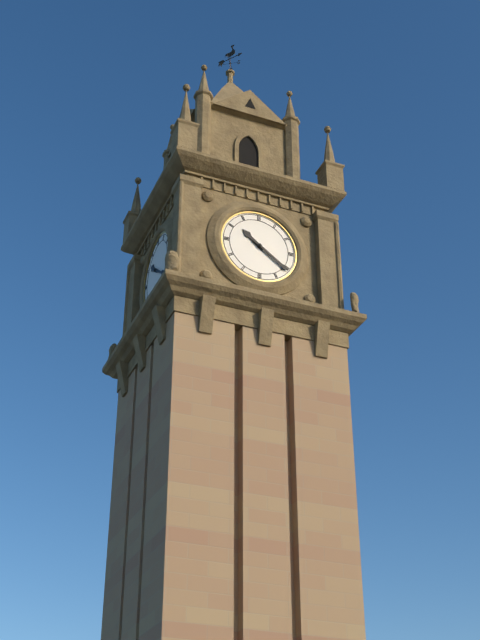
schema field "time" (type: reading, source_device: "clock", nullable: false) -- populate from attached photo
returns 10:21
